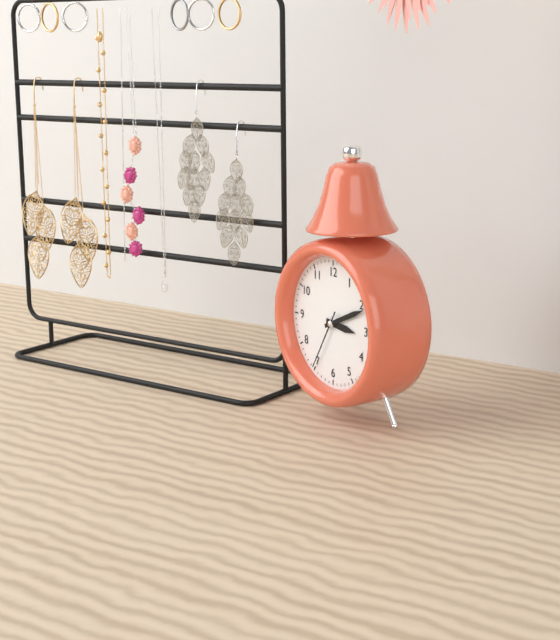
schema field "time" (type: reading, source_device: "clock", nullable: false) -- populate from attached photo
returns 3:11:35
